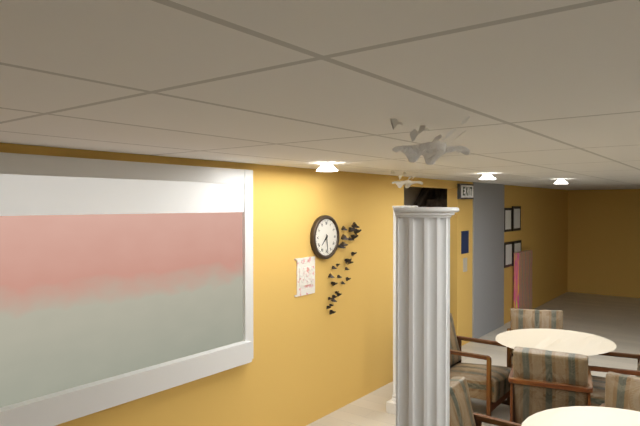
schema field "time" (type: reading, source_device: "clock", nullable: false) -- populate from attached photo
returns 7:29
